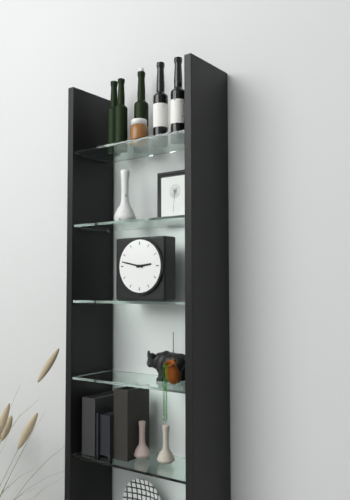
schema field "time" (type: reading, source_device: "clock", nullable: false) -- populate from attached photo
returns 2:47
